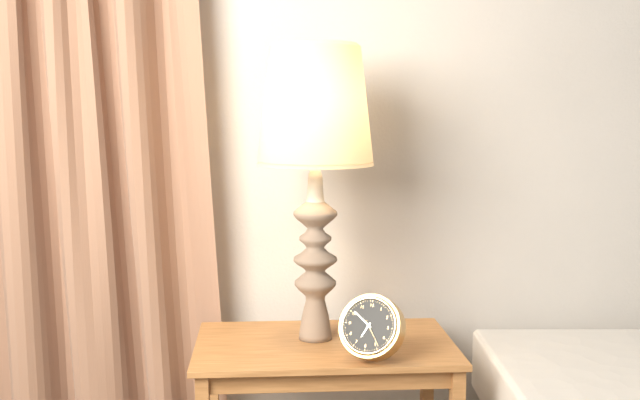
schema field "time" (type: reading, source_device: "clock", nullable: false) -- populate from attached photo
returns 6:51
